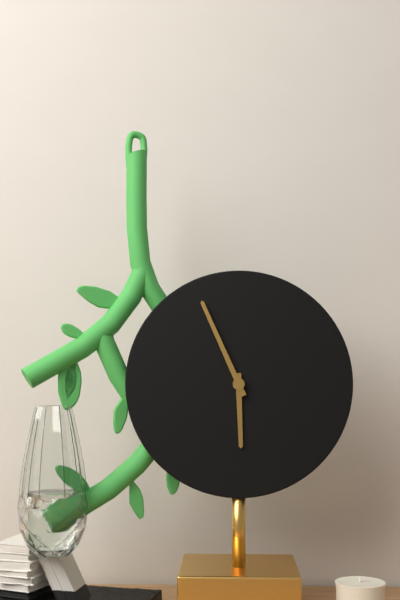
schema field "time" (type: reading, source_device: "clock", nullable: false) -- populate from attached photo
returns 5:56
